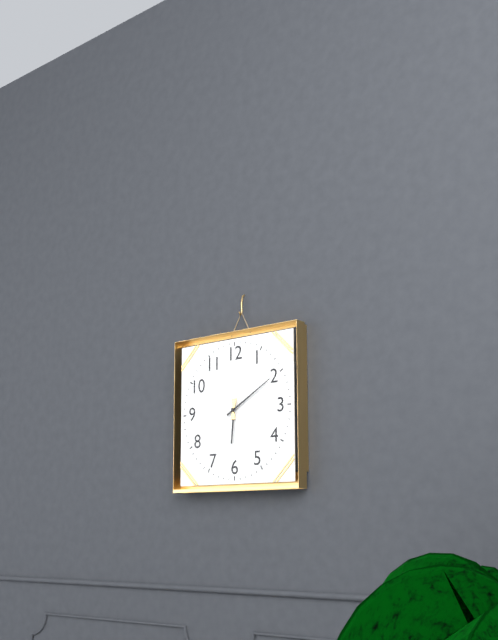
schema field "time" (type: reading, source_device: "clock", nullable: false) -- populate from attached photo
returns 6:10
